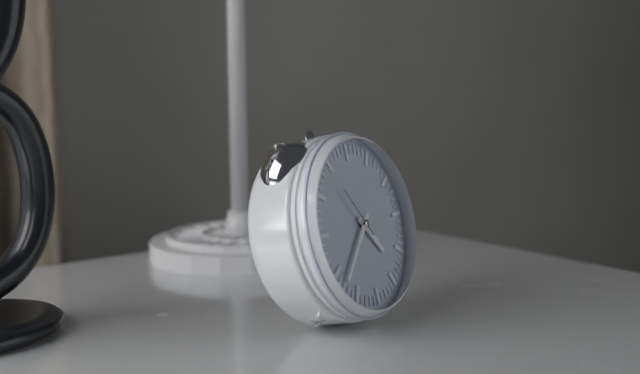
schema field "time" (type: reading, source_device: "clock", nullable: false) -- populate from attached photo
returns 4:38:54
